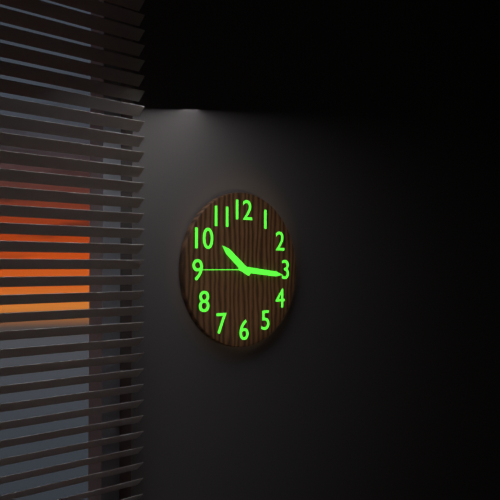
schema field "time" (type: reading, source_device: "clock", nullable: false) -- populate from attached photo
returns 10:16:45
